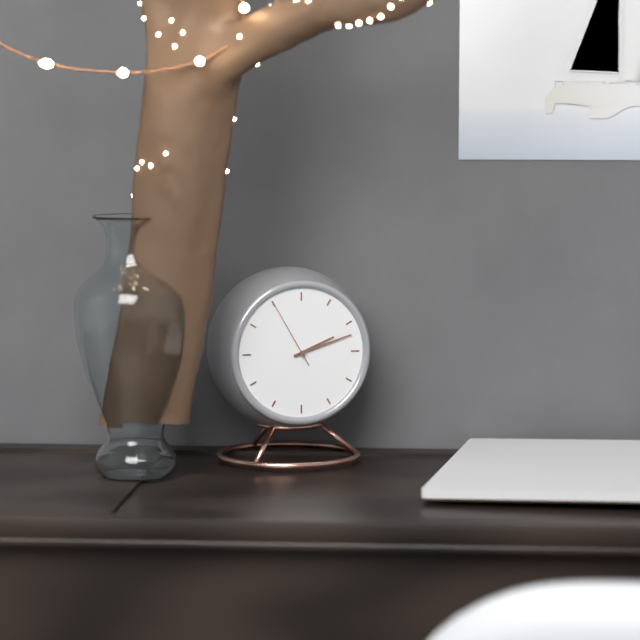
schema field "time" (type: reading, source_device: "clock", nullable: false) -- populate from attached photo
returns 2:12:55
